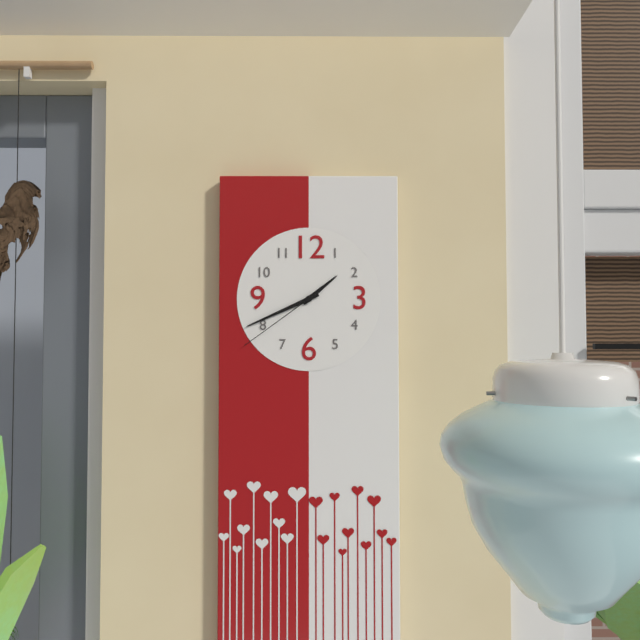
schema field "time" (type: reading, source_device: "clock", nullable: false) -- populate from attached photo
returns 1:41:39
